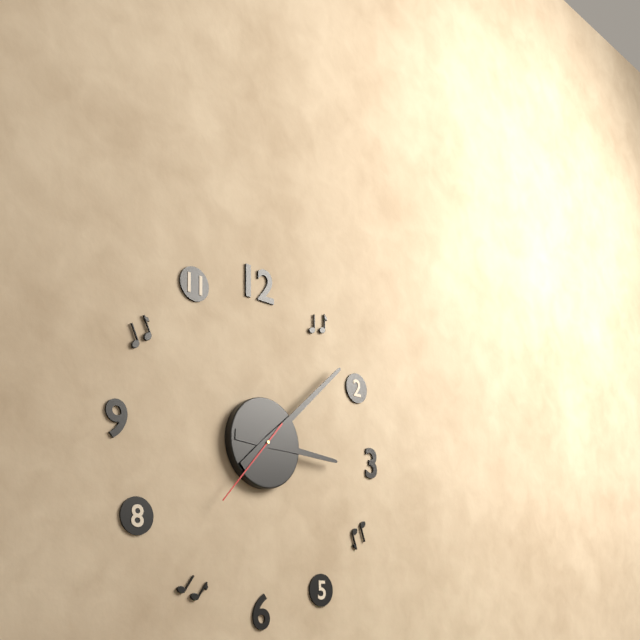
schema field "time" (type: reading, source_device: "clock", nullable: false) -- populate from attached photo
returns 3:08:37
